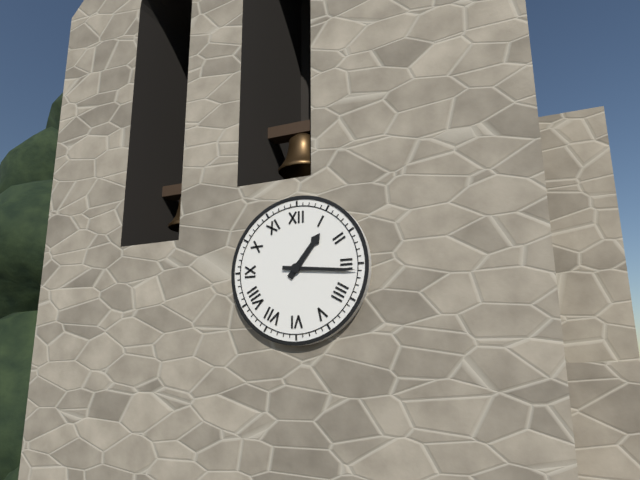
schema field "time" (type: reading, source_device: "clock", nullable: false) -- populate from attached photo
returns 1:16
